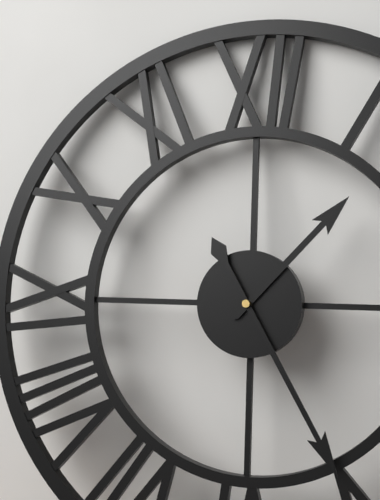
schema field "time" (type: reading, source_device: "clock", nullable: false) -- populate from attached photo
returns 1:25
